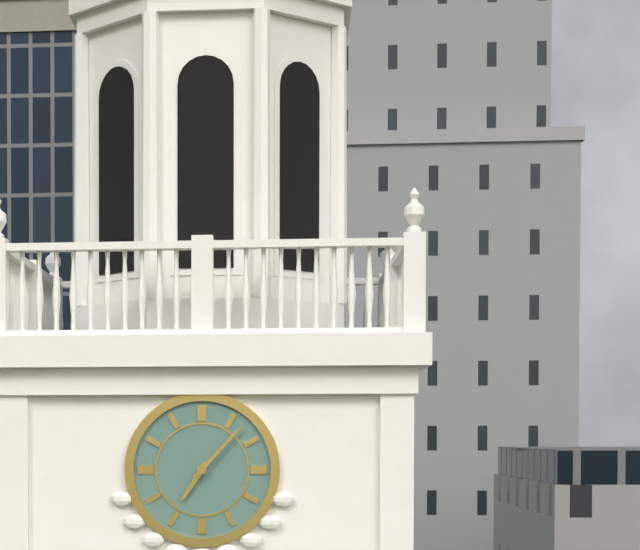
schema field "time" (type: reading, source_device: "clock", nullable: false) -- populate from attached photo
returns 7:07
